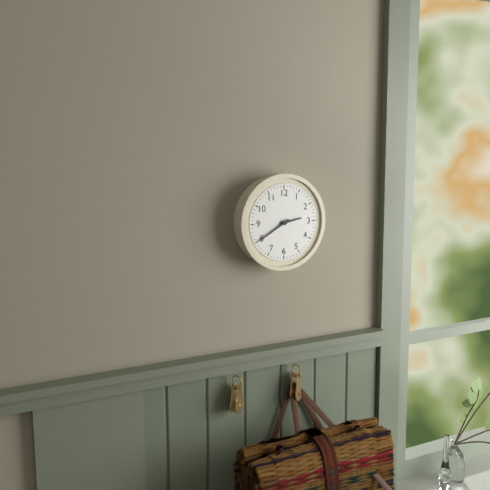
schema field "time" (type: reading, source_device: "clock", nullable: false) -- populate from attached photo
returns 2:40
